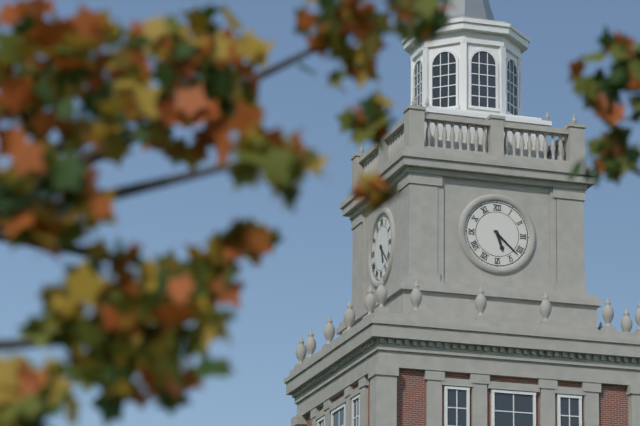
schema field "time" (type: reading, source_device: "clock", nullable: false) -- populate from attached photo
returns 5:22
